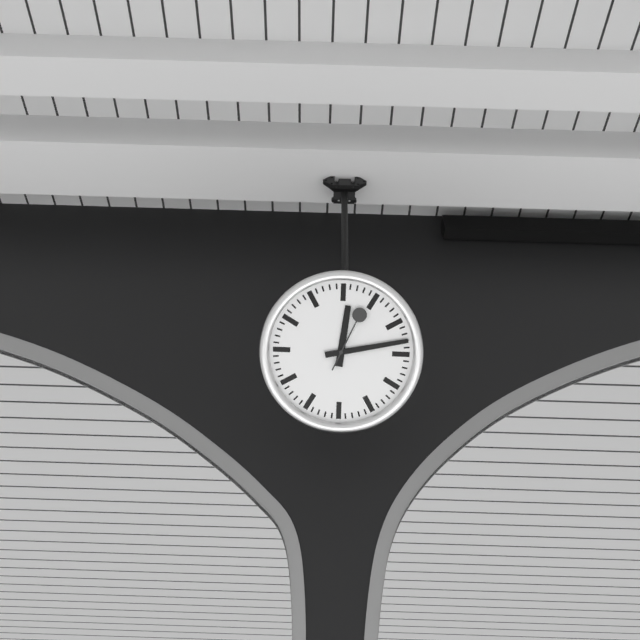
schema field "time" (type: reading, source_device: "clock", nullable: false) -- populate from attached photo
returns 12:13:04
